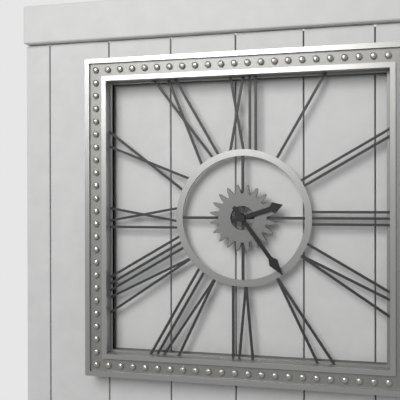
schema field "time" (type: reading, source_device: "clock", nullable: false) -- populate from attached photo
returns 2:24
